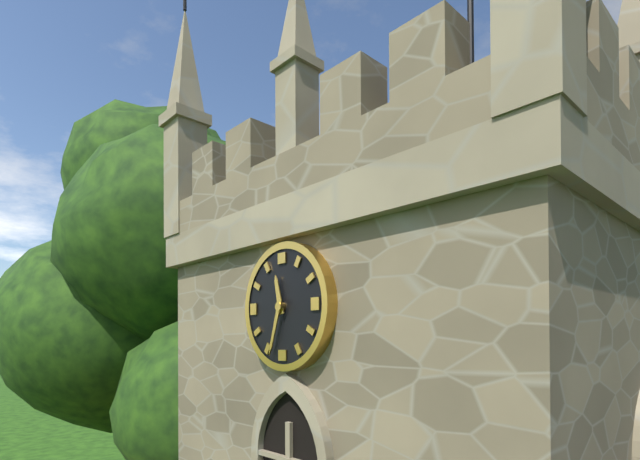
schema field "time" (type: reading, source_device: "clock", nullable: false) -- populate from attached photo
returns 11:33
